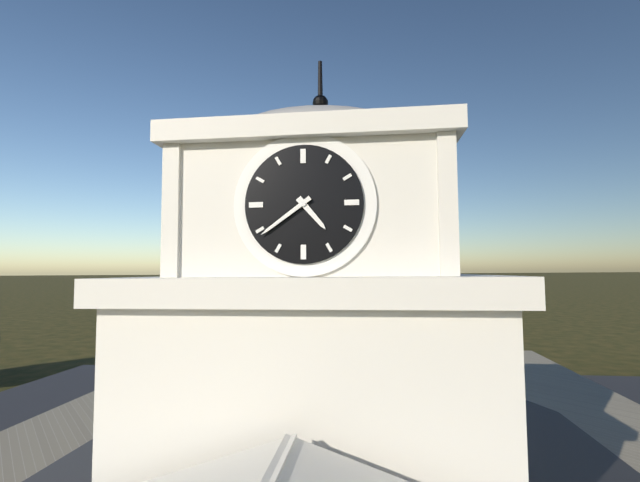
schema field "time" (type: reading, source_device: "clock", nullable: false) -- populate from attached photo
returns 4:39
